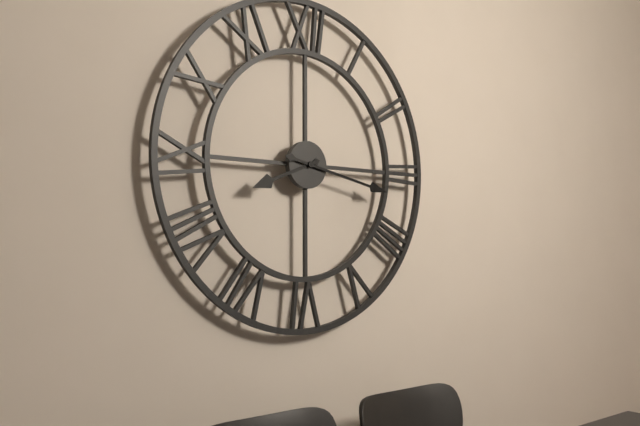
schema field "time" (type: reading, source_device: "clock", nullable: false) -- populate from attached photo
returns 8:17
